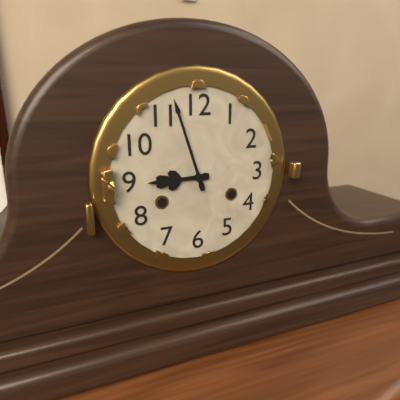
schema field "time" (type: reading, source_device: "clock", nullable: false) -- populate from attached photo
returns 8:57
